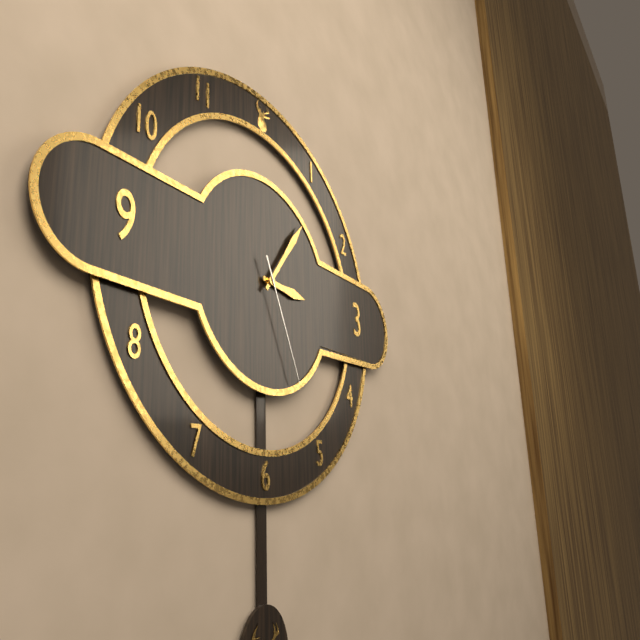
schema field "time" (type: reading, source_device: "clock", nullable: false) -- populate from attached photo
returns 3:06:26
